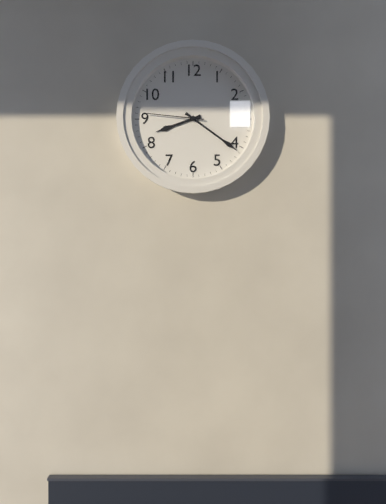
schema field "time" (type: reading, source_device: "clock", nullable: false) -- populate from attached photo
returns 8:21:46
